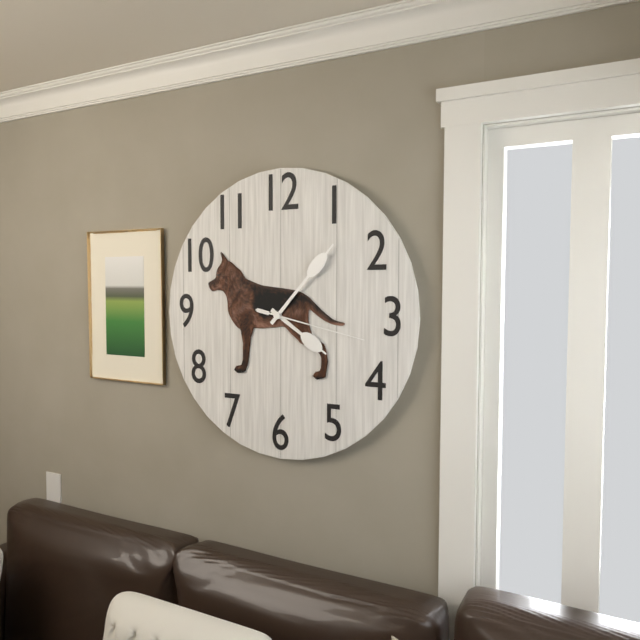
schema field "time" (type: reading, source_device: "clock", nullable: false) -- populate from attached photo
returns 4:07:17
